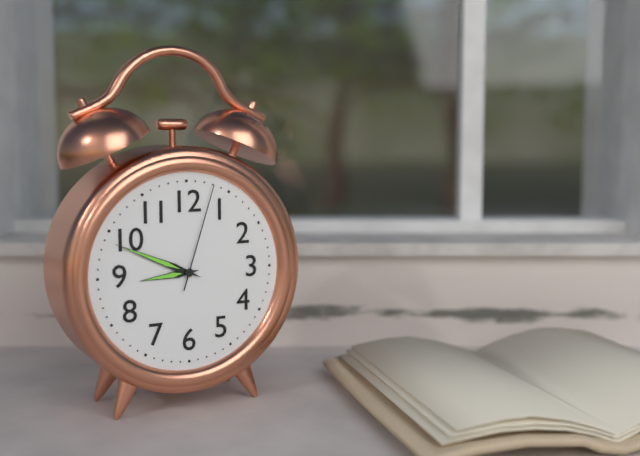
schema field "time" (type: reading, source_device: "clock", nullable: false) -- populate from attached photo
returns 8:49:03
